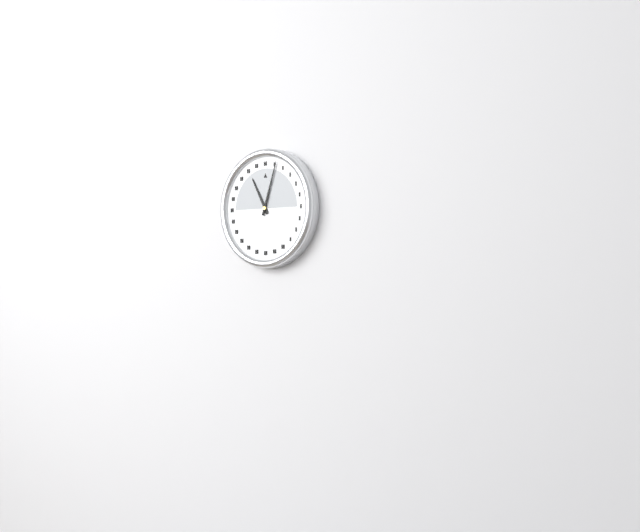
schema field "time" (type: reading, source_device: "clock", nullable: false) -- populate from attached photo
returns 11:03
